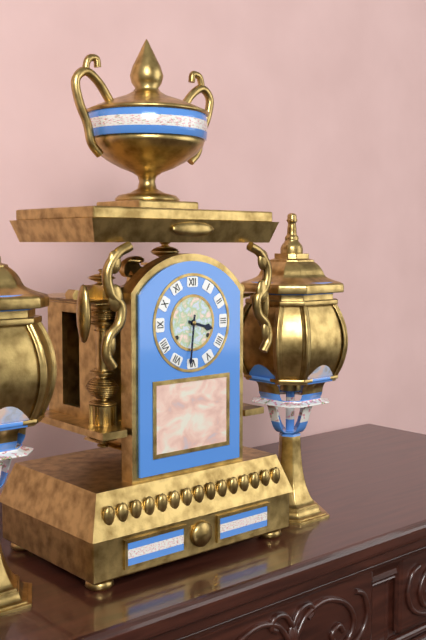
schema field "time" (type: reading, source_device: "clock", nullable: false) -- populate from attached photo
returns 3:31
